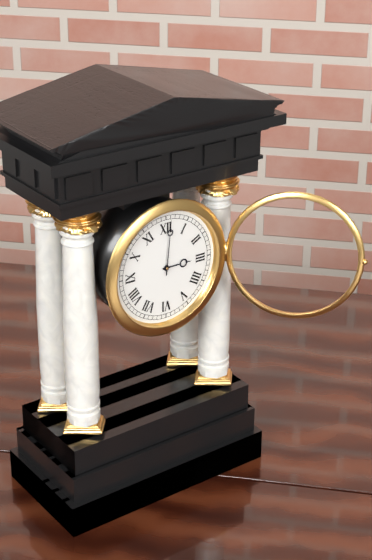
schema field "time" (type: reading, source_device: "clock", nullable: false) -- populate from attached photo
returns 3:01
